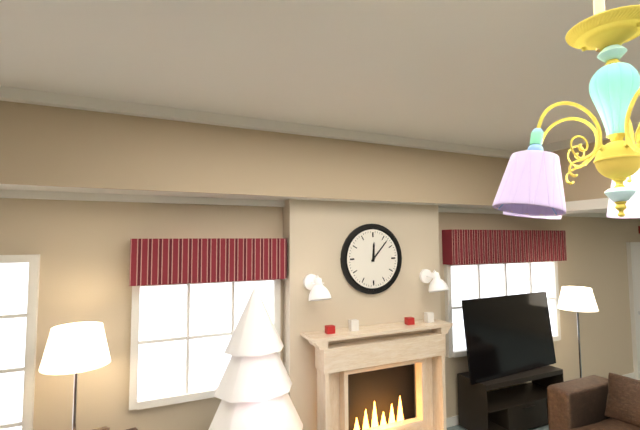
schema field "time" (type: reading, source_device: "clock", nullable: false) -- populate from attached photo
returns 12:07
